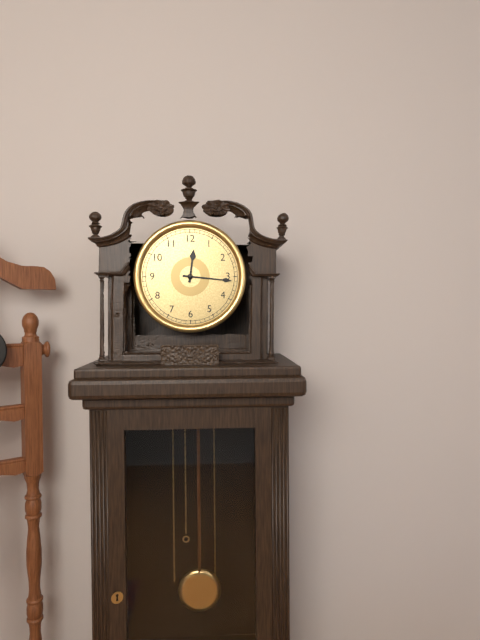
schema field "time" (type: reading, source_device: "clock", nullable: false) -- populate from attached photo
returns 12:16
